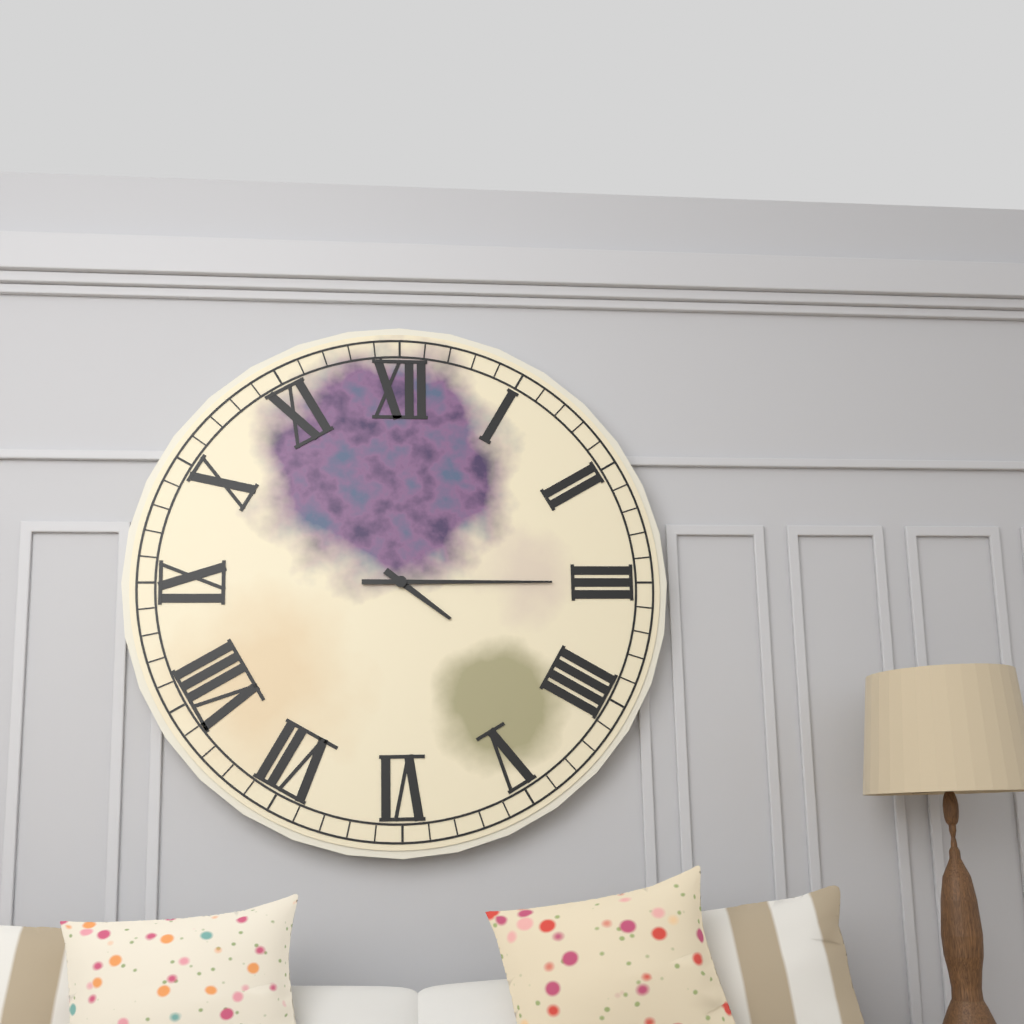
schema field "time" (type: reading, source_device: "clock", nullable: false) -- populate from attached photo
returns 4:15
